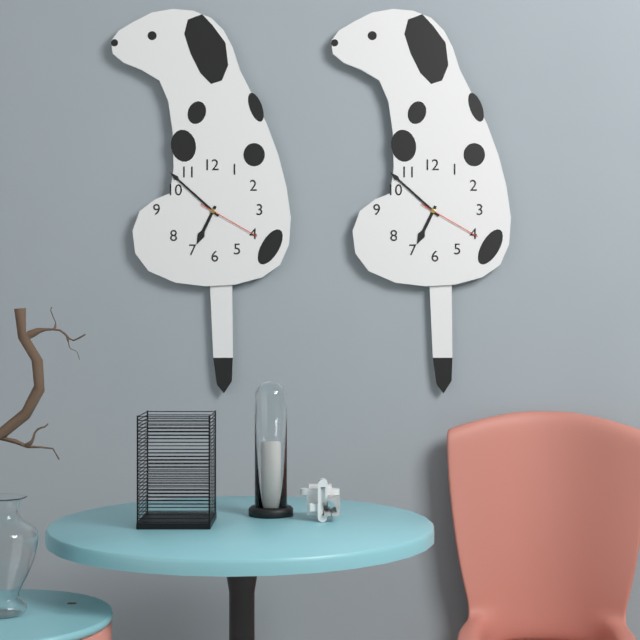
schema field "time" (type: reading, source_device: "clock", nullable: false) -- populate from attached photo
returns 6:52:20
